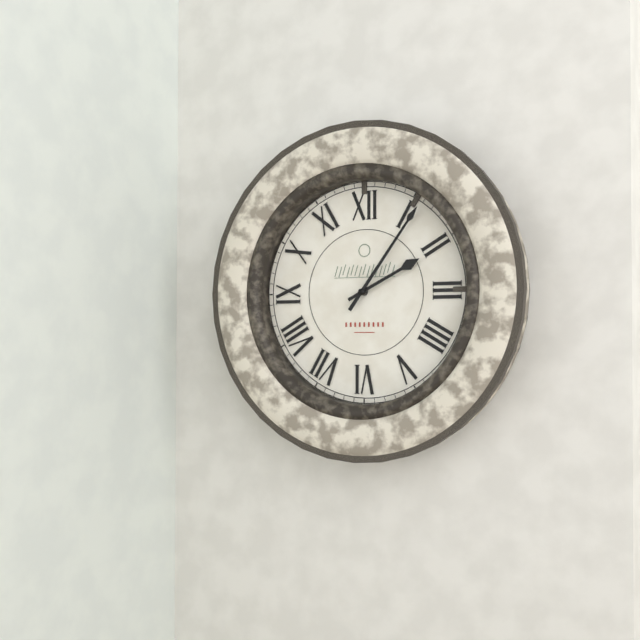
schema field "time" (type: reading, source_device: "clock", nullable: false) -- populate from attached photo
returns 2:06
